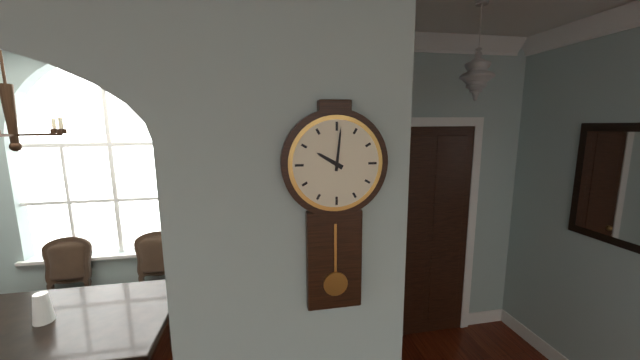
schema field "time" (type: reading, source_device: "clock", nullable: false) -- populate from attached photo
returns 10:01
